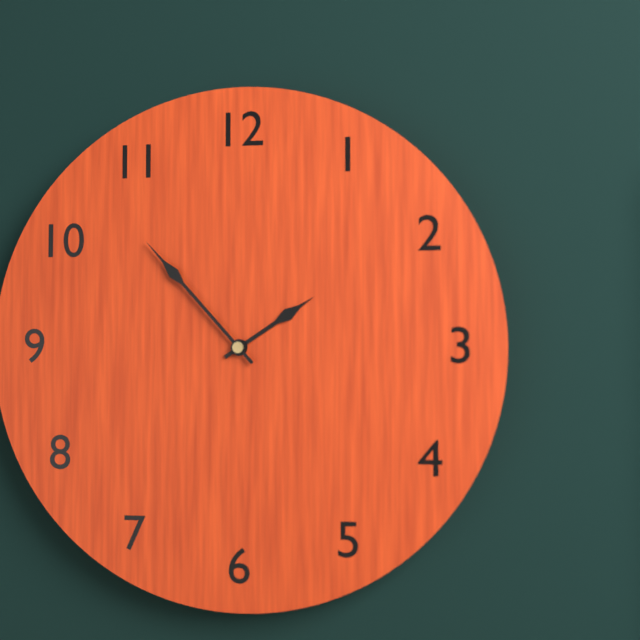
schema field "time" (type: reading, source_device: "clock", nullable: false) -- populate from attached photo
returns 1:53
